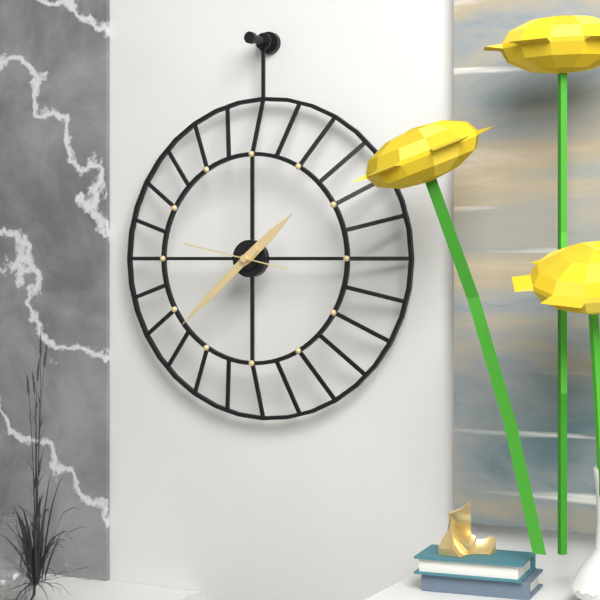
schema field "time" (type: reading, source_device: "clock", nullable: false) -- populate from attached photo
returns 1:38:47
